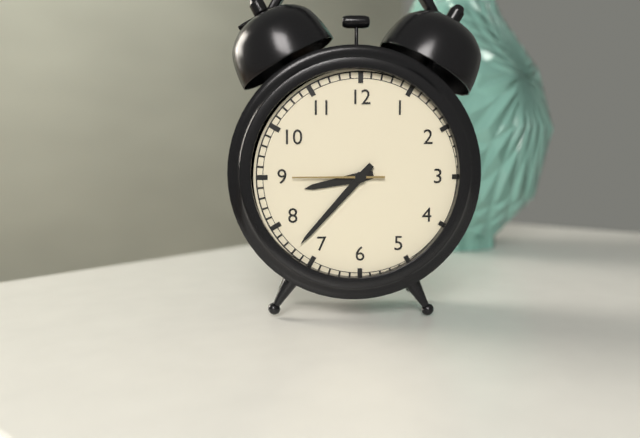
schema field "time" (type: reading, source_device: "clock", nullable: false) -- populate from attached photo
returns 8:37:45
